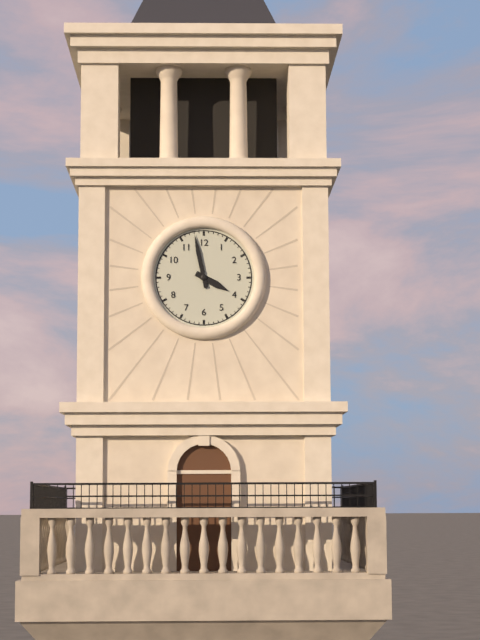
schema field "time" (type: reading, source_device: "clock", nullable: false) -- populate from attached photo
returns 3:58
